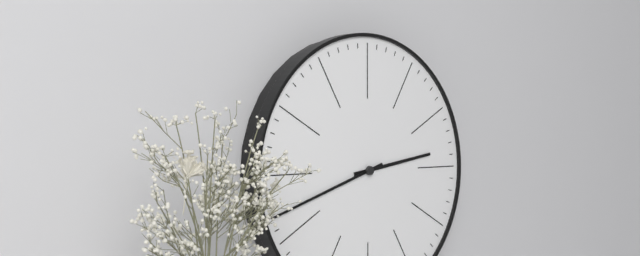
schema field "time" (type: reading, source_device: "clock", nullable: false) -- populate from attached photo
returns 2:42
